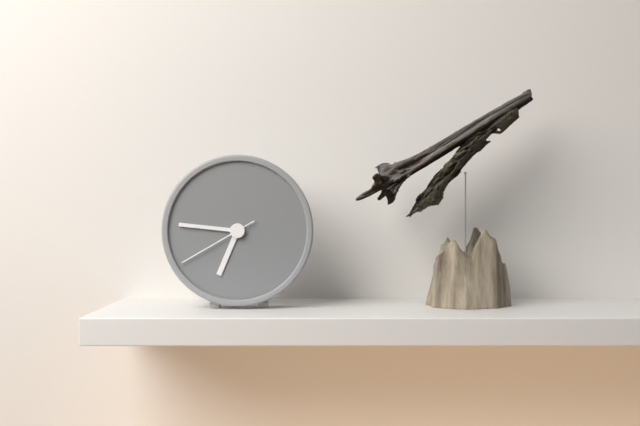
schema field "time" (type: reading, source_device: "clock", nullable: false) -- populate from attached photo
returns 6:46:40
